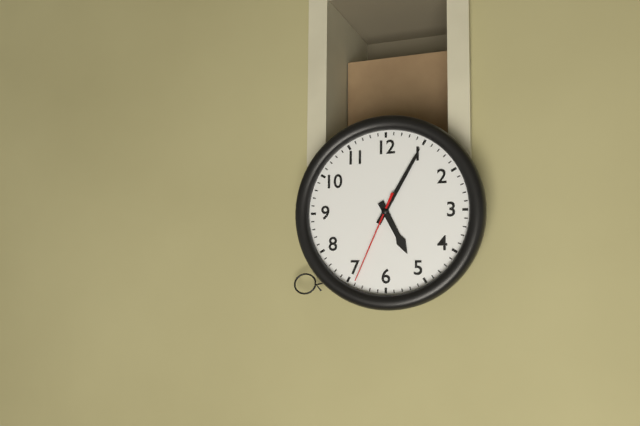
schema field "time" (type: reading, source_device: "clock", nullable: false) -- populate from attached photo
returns 5:05:34
